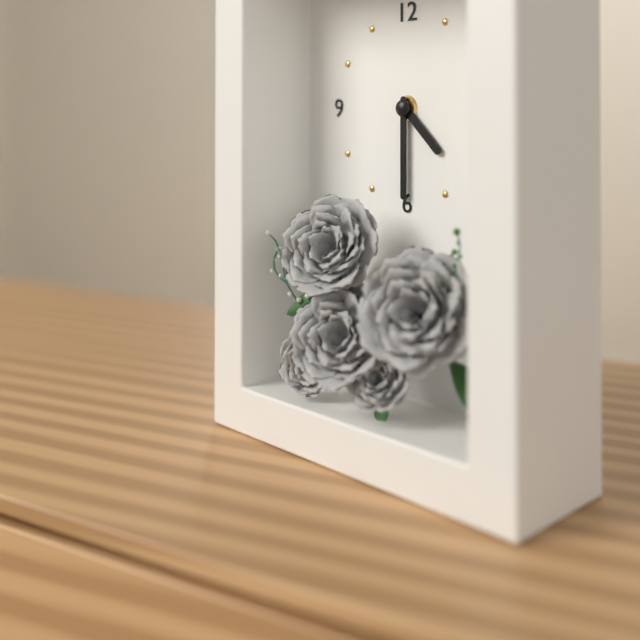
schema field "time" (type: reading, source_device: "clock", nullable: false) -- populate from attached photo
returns 4:30
